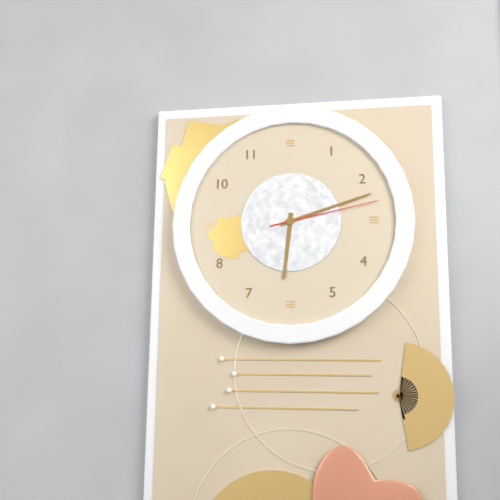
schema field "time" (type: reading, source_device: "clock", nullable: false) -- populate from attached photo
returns 6:12:13
